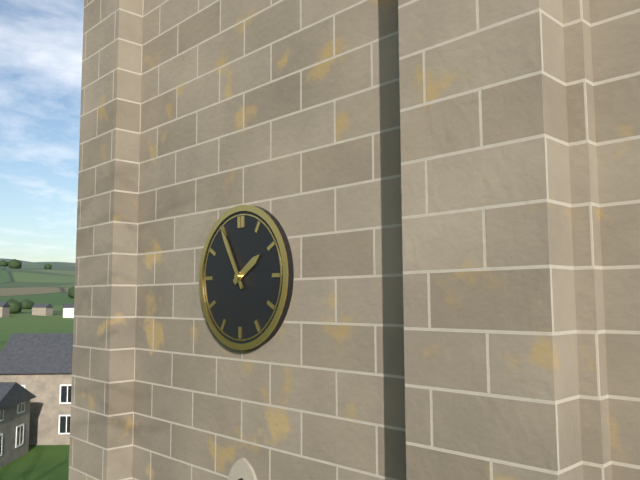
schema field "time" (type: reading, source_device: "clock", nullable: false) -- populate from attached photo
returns 1:55
